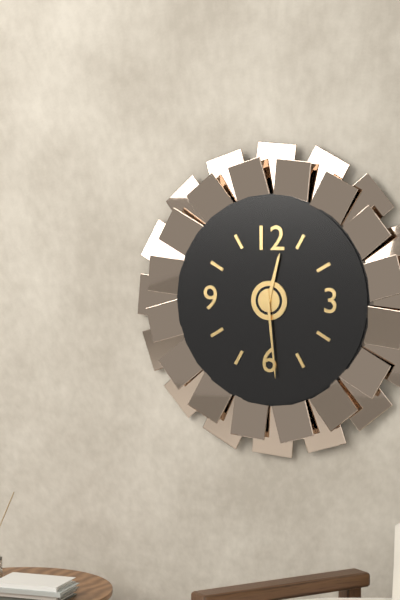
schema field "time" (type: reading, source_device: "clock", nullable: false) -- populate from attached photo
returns 12:29
